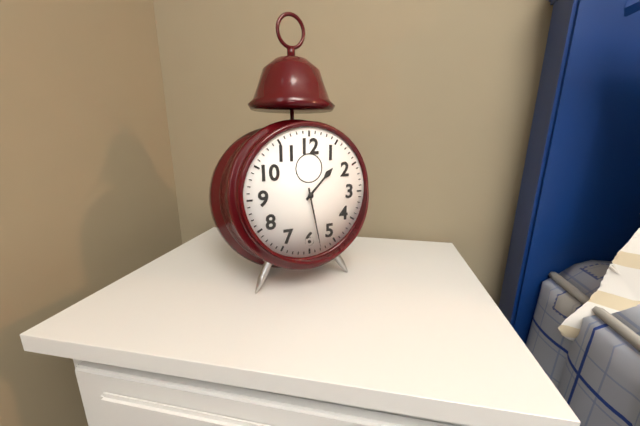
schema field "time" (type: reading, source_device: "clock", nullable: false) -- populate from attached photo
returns 1:28
